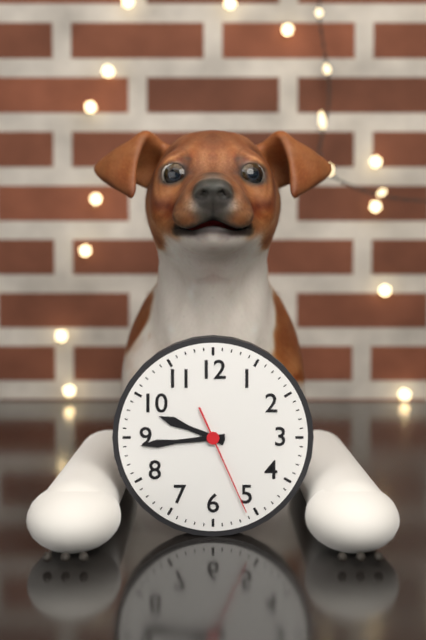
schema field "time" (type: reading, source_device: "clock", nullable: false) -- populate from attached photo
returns 9:44:26
